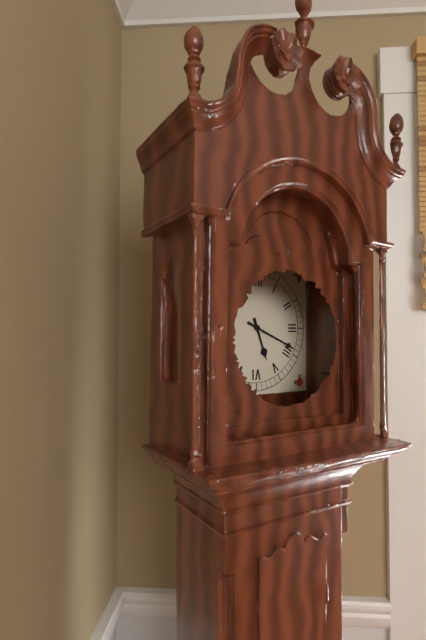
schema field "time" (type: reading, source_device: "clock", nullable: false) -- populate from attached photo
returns 5:19
